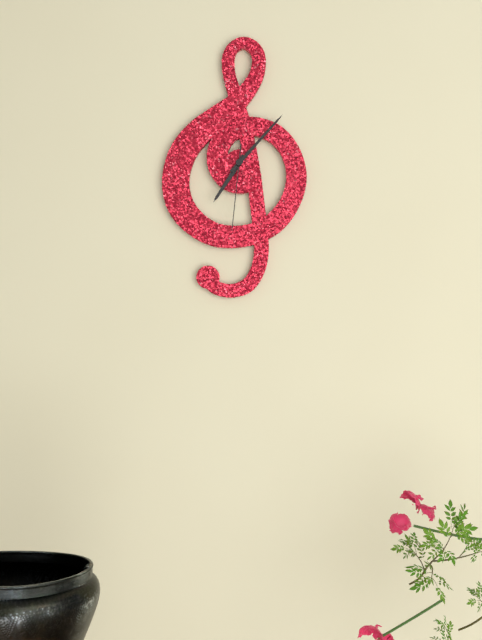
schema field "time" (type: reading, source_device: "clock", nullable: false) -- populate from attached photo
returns 7:07:31
